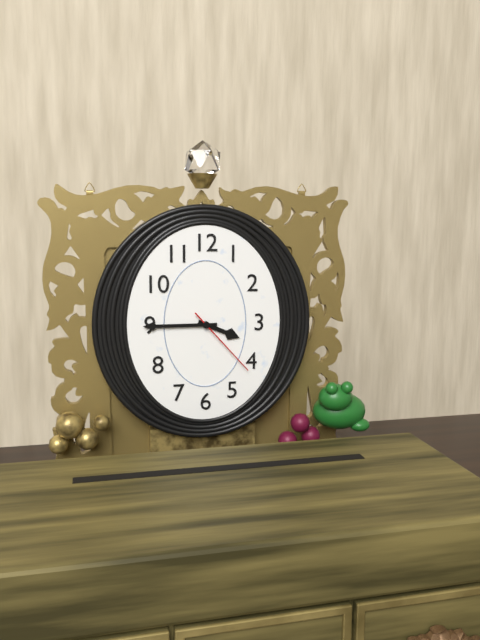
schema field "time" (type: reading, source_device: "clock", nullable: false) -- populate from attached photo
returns 3:45:23
